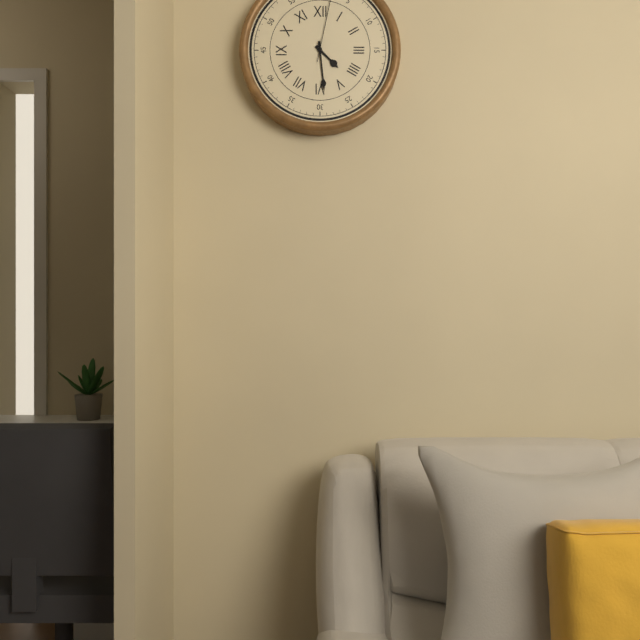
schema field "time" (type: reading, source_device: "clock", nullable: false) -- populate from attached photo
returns 4:29
